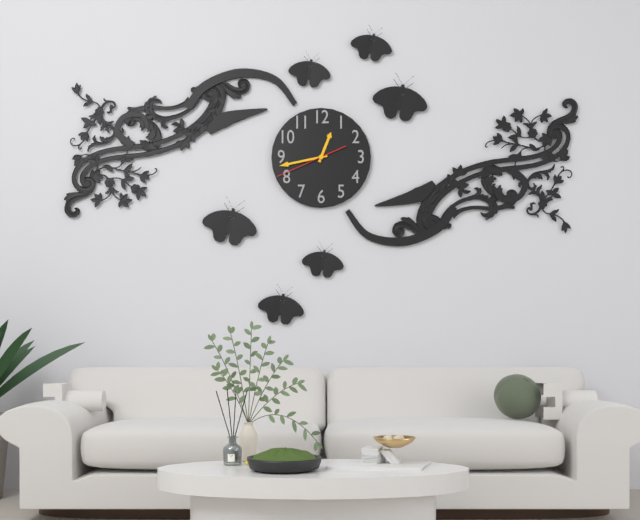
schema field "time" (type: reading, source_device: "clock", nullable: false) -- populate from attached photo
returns 12:43:41
